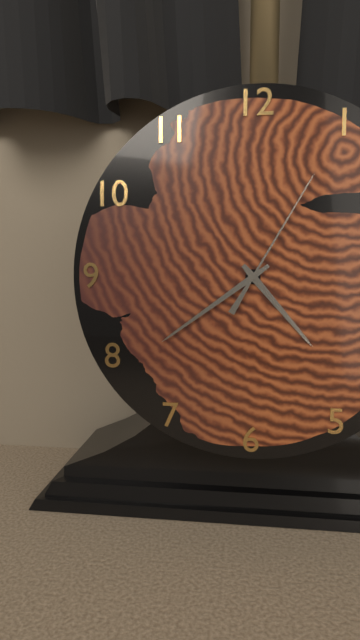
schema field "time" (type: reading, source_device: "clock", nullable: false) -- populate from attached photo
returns 4:39:05
